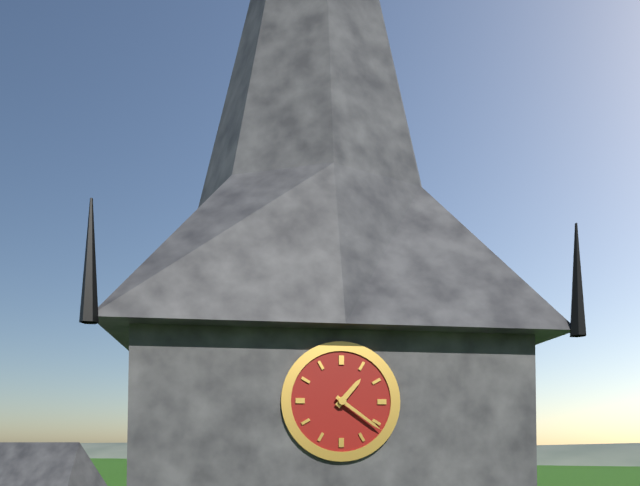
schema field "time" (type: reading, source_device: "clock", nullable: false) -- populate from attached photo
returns 1:21
